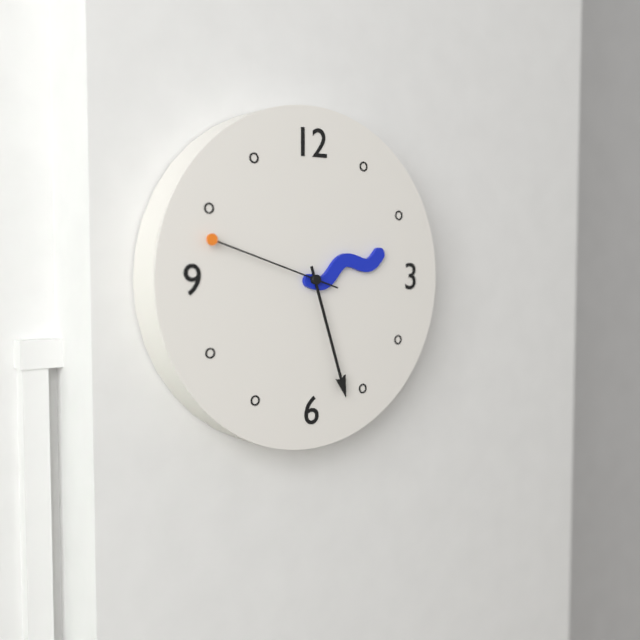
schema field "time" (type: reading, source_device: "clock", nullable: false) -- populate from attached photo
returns 2:27:48
